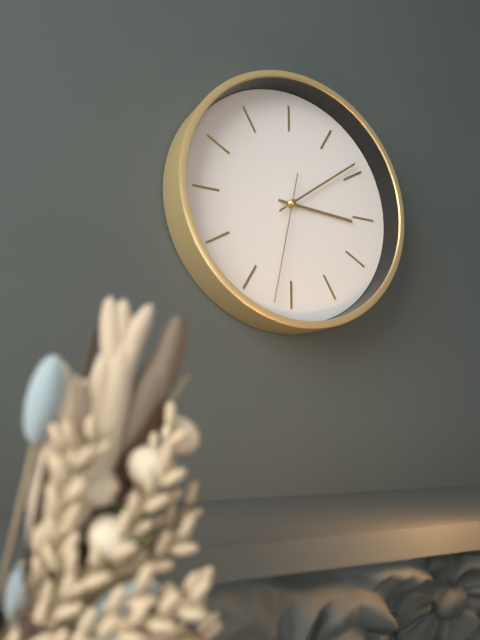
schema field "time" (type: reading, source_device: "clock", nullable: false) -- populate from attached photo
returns 3:09:32
